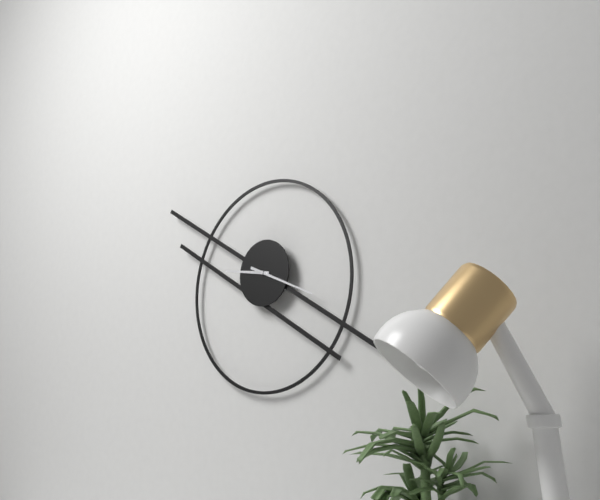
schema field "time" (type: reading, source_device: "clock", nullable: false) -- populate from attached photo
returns 9:19
